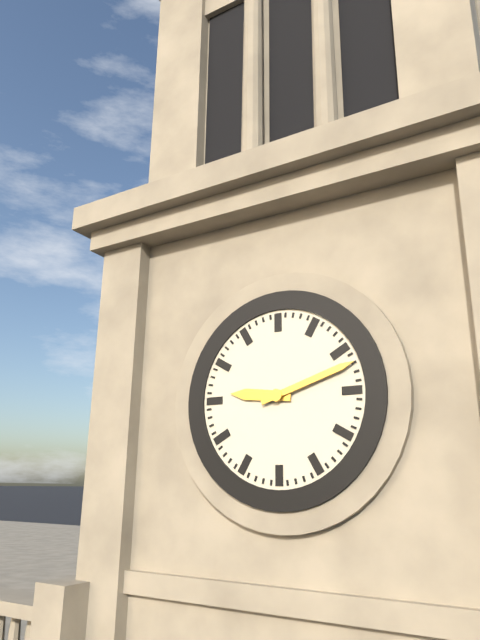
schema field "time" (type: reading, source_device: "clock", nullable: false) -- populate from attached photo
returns 9:12
